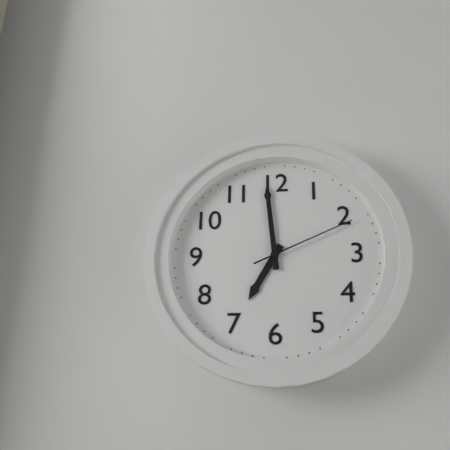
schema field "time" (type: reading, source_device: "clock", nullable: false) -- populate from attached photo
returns 6:59:11
